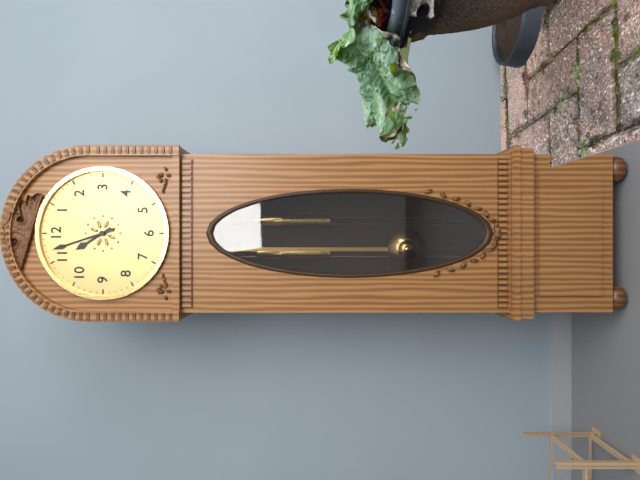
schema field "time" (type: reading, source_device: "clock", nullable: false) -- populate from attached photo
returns 10:57
